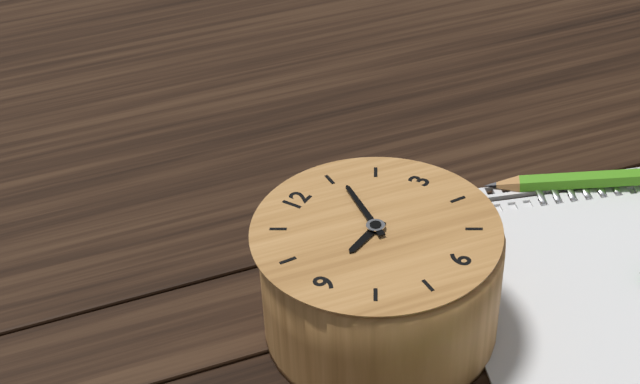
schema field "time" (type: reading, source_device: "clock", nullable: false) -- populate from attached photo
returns 9:06
